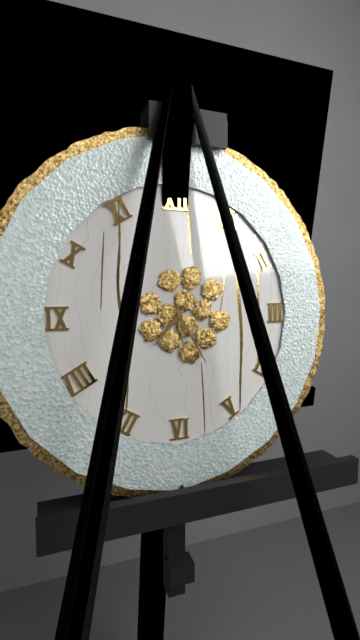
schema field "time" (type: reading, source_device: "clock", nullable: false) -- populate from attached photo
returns 7:25:29
